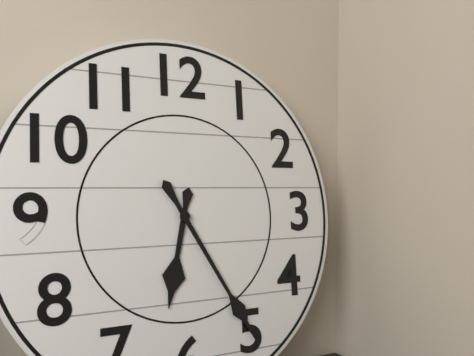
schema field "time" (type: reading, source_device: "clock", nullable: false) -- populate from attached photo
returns 6:25
